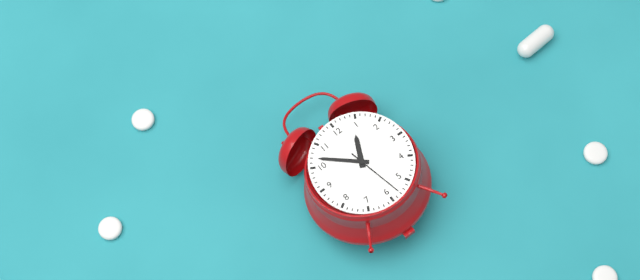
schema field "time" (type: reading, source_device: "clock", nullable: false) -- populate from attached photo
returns 12:52:28
